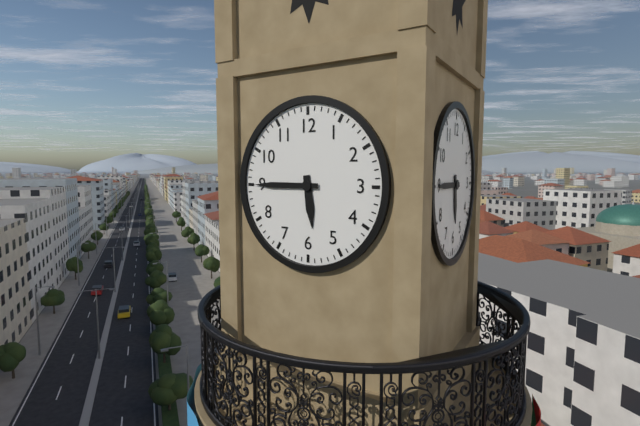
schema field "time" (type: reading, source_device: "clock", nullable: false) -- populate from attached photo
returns 5:45
